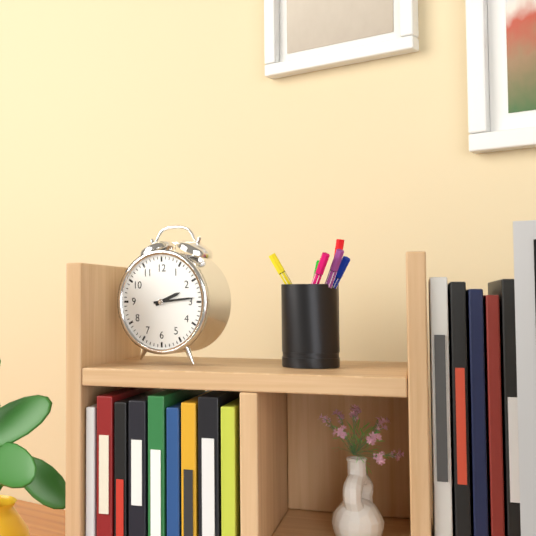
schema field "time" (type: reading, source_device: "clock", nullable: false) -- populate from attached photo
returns 2:14
